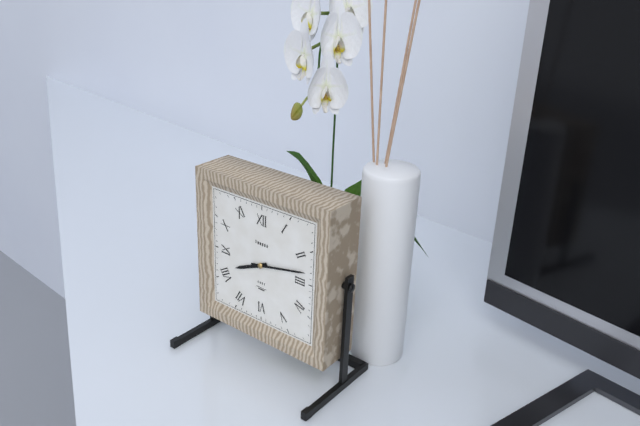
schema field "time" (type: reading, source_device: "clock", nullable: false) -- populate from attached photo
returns 8:13
